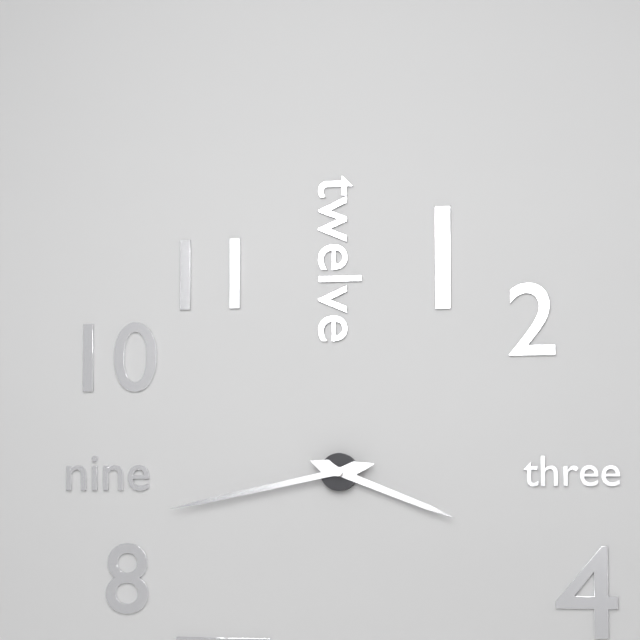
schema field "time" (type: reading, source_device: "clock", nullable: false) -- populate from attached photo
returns 3:43
